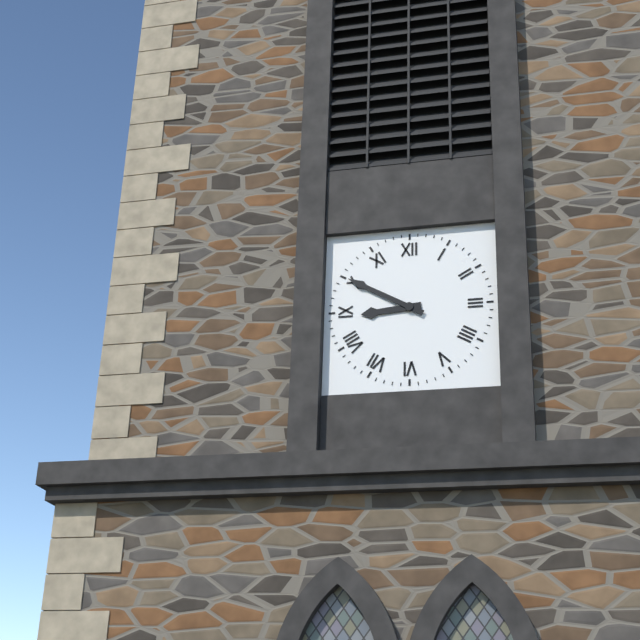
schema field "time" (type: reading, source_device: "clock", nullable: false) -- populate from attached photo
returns 8:50
